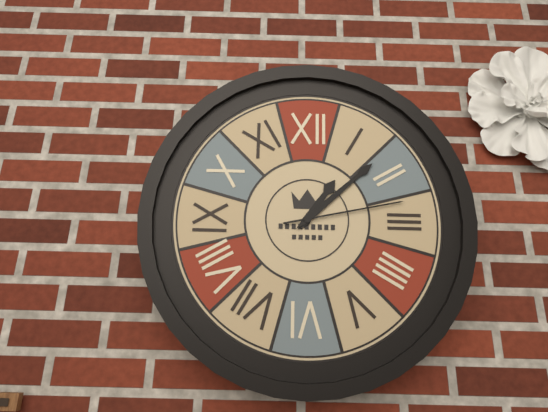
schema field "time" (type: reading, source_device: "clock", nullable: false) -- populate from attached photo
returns 1:08:13
